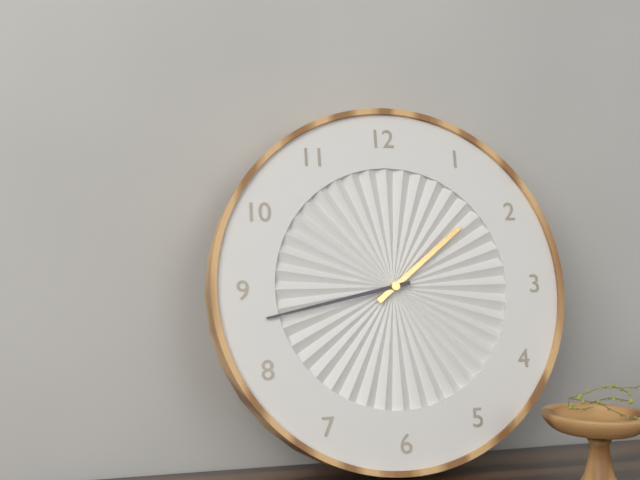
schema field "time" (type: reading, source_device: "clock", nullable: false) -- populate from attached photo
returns 1:43
